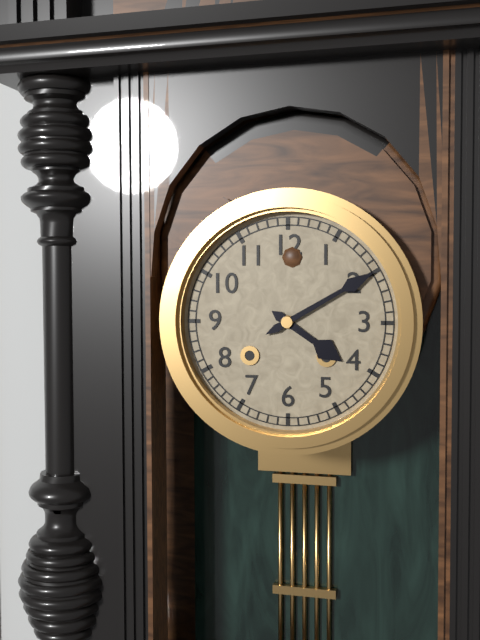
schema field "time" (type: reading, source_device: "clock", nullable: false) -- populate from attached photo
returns 4:10
